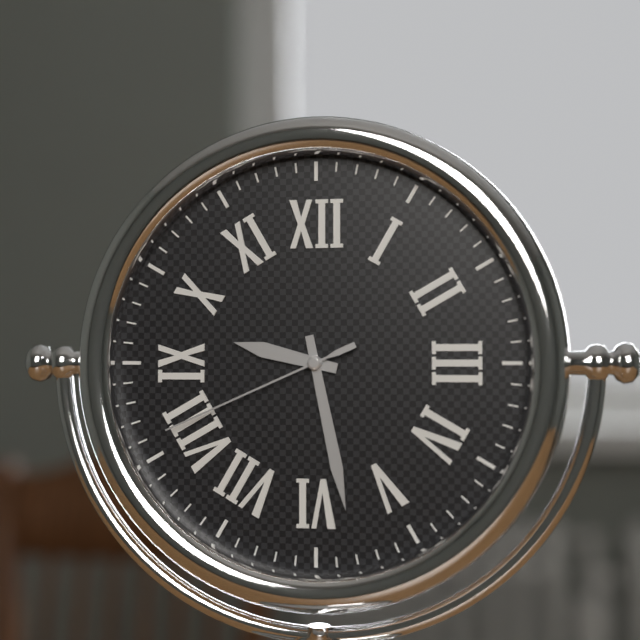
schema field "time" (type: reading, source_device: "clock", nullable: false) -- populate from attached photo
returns 9:28:41
